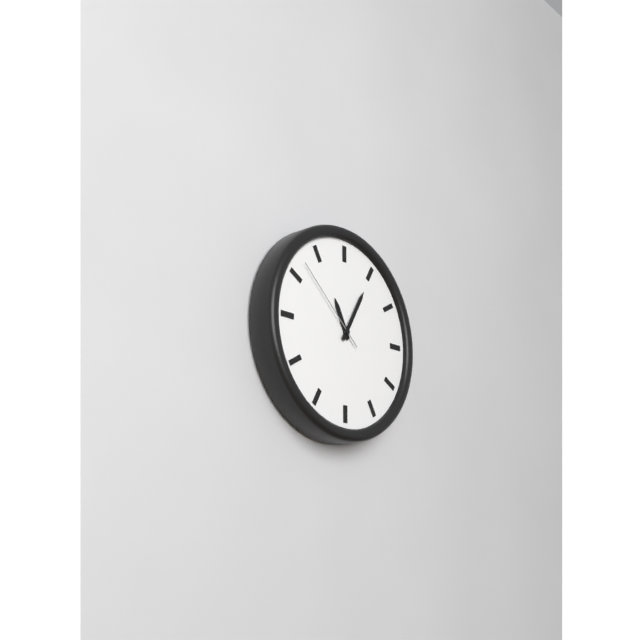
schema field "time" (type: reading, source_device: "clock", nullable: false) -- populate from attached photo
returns 11:05:52
